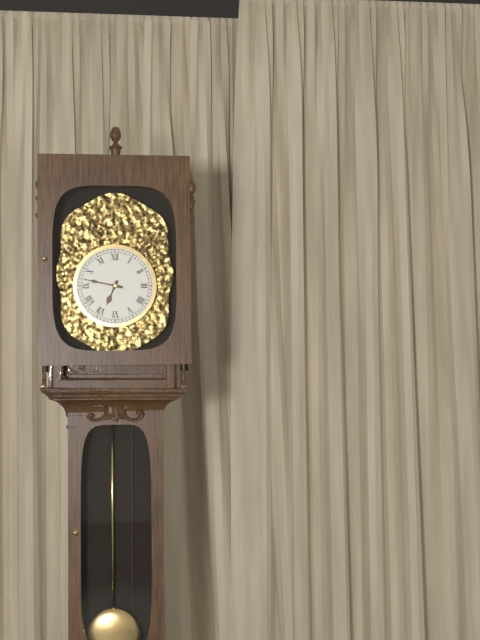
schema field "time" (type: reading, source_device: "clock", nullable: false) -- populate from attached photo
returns 6:47
